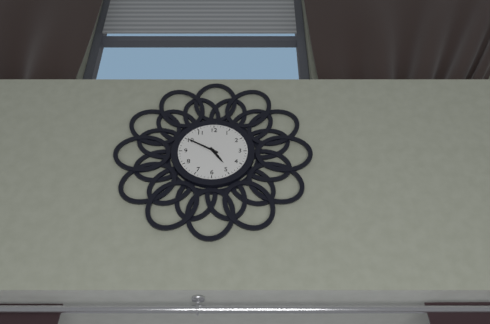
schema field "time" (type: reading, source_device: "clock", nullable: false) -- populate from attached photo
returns 4:50
